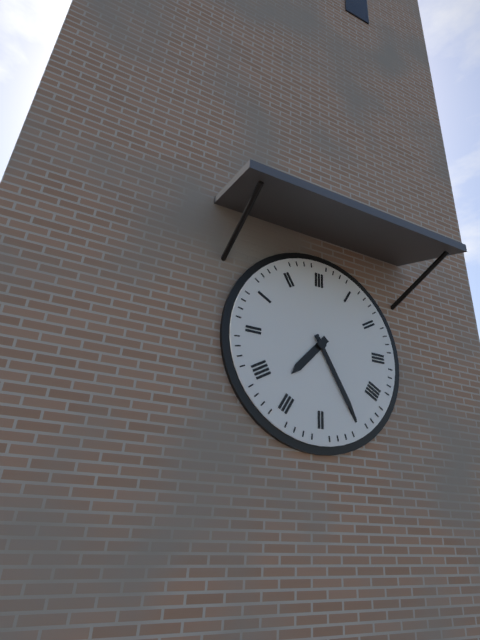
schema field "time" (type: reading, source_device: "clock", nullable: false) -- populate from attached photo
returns 7:25
